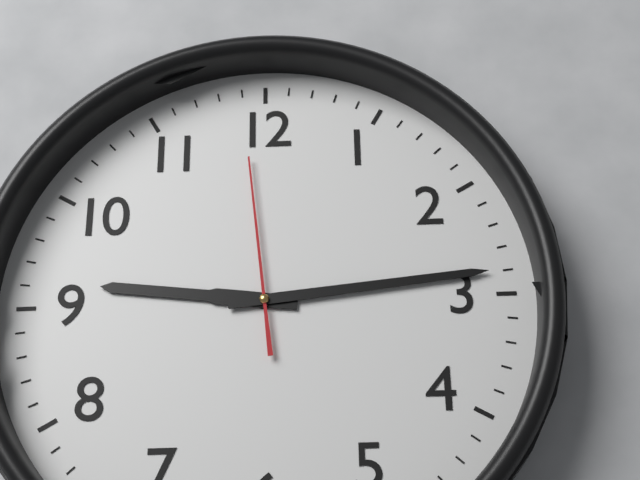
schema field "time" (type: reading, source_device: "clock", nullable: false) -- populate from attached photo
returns 9:14:59
